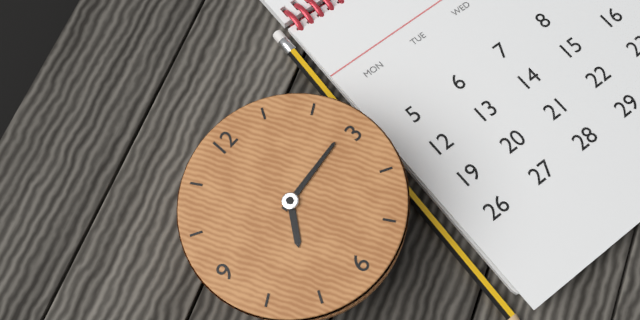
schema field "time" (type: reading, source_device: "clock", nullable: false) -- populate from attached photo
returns 7:14
